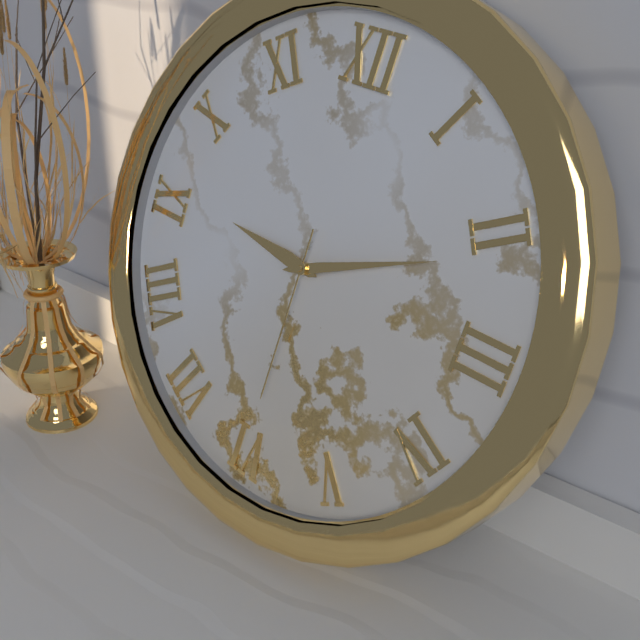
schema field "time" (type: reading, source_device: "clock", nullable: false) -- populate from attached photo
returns 9:11:30
